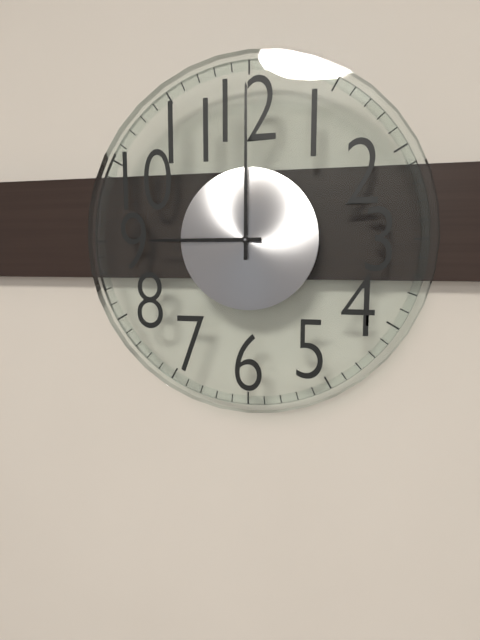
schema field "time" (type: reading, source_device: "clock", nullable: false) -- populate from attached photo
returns 9:00
